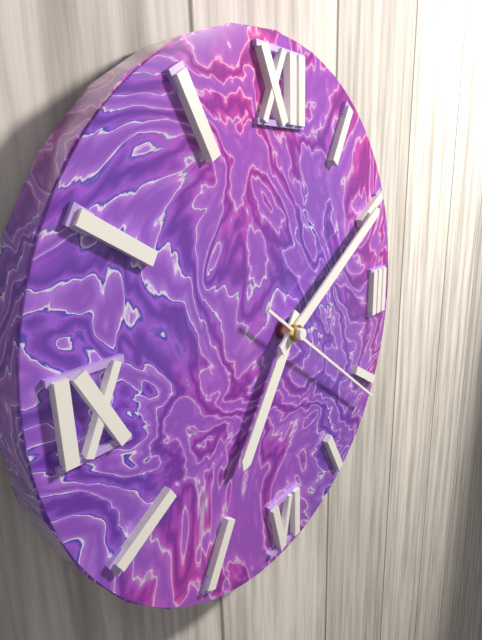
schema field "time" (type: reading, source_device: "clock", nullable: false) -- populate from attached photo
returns 7:10:21
